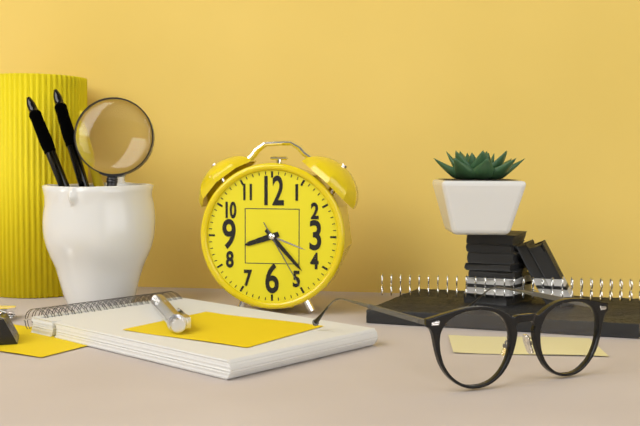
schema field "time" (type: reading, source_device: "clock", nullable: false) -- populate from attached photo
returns 8:23:25
